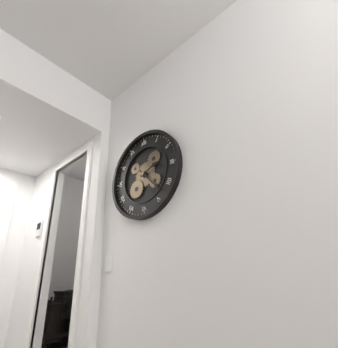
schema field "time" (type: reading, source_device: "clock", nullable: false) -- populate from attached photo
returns 2:23
